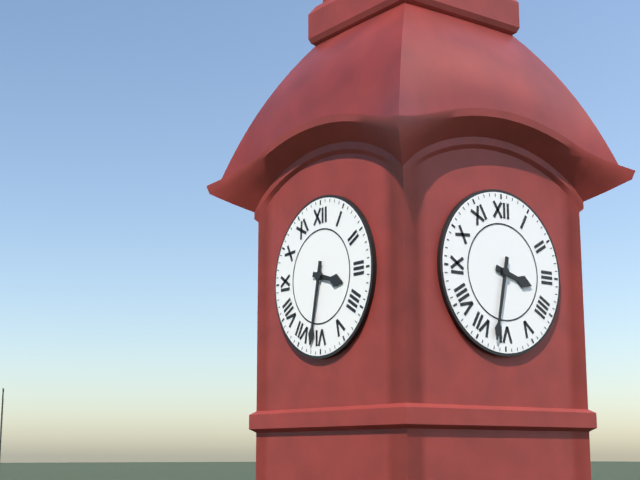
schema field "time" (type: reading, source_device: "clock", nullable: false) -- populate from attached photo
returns 3:32
